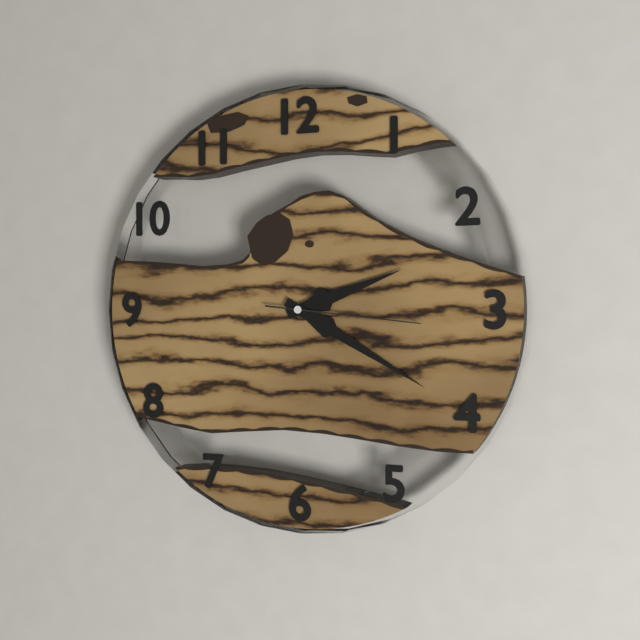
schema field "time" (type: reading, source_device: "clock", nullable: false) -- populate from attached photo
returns 2:20:16
